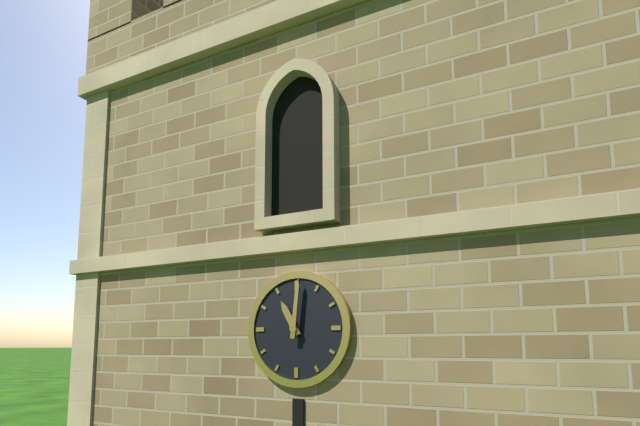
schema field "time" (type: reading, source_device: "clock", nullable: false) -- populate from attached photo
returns 11:01
